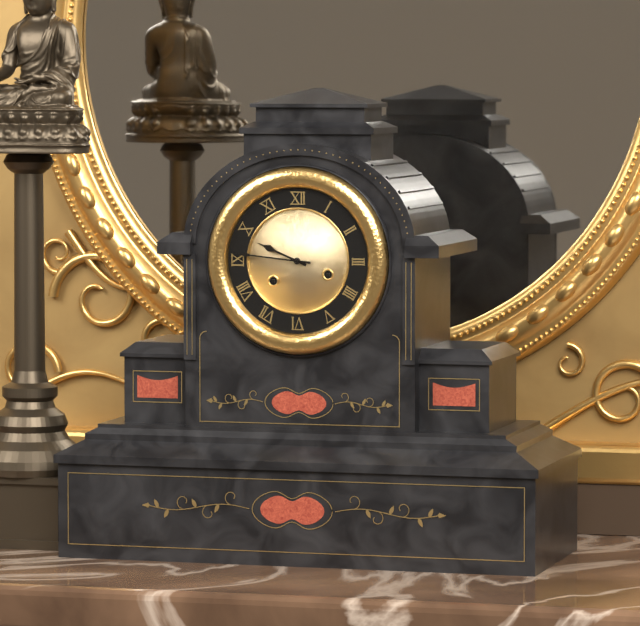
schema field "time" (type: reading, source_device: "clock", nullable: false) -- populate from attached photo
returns 9:46
